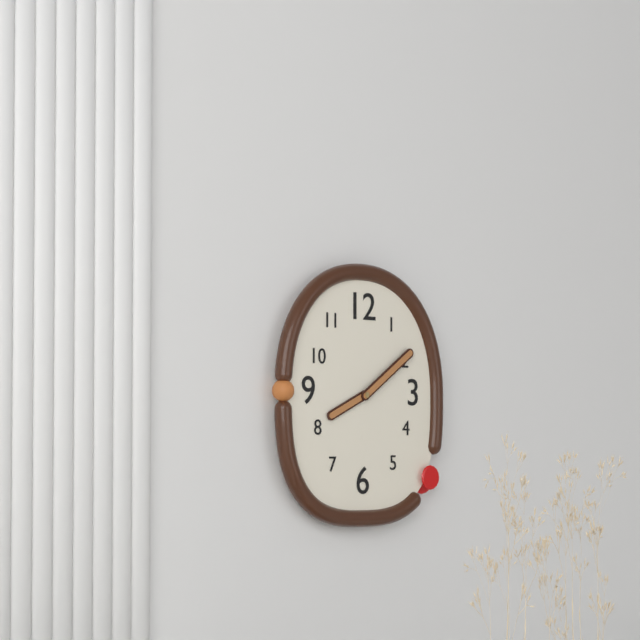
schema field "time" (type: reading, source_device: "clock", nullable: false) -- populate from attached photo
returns 8:09
